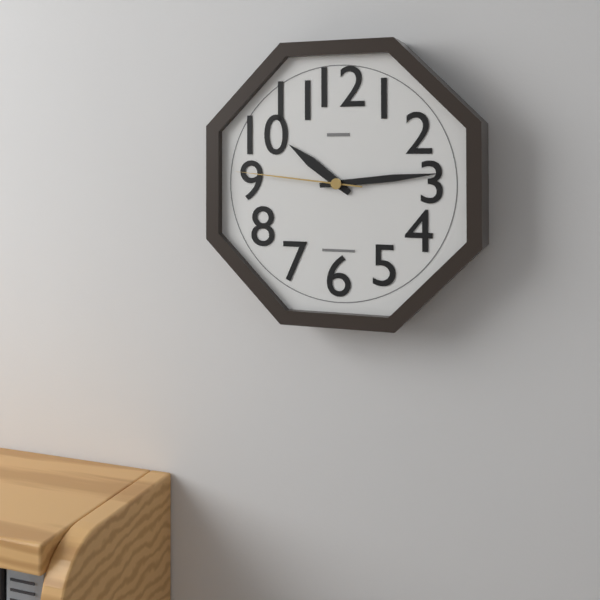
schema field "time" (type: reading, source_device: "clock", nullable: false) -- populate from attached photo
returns 10:14:46
